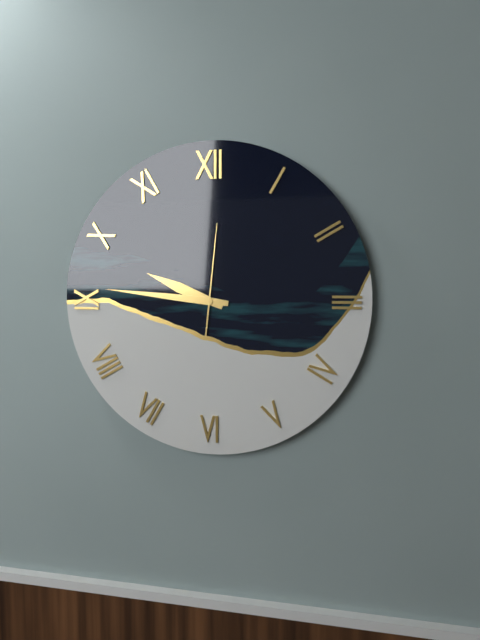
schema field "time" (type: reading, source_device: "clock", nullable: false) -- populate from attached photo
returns 9:46:01
